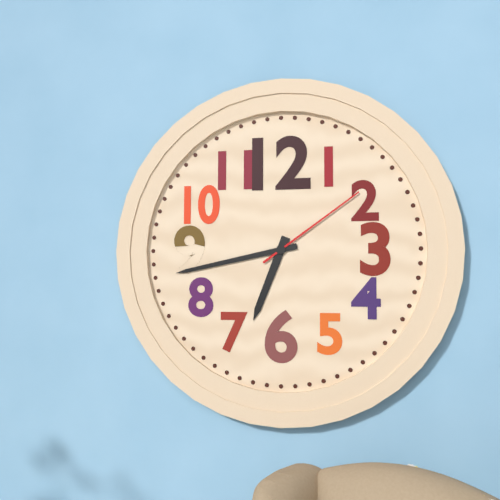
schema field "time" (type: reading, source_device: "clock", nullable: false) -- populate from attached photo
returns 6:43:09
